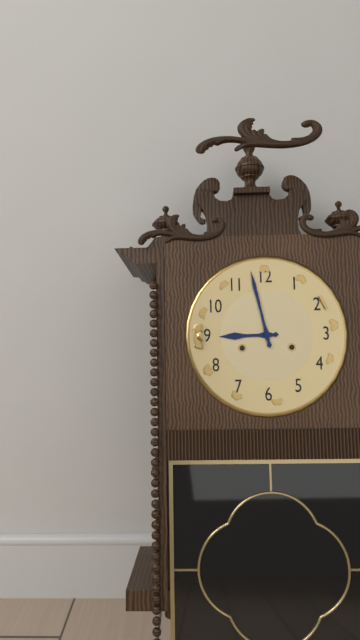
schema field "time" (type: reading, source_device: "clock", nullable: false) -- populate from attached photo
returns 8:58
